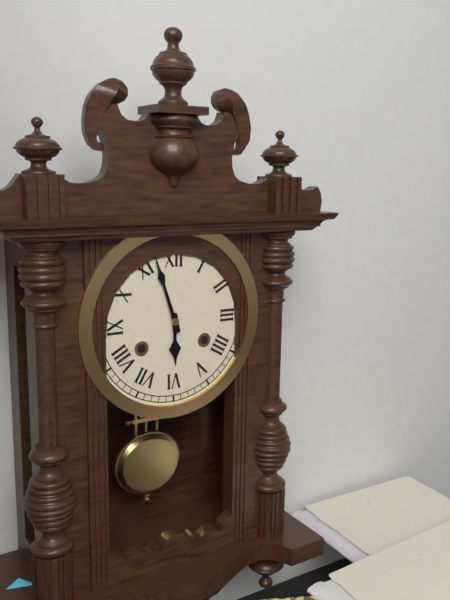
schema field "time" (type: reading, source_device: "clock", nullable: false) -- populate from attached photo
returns 5:57
